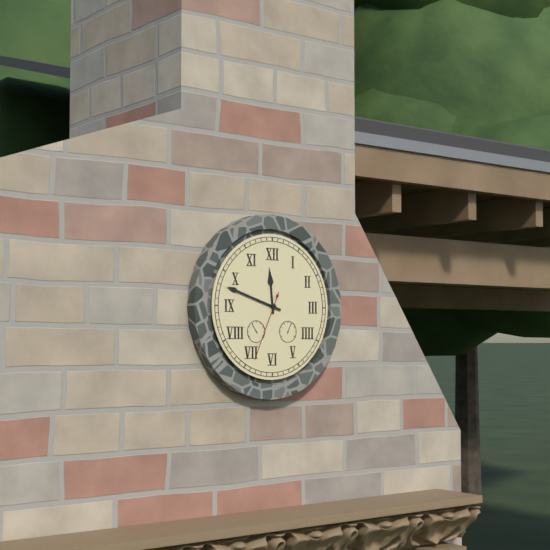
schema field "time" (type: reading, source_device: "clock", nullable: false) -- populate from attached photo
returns 11:48:34
